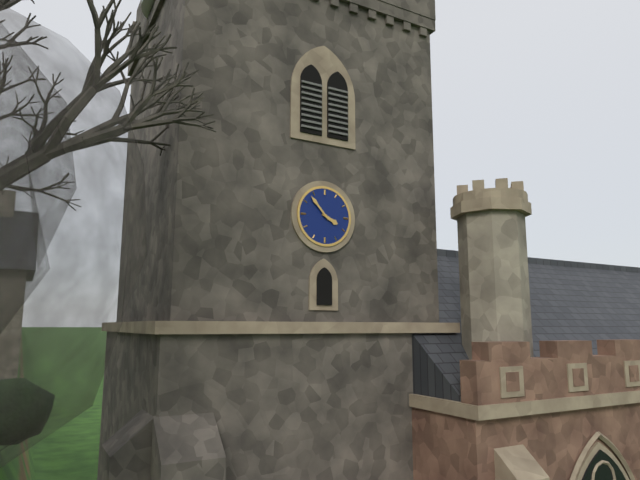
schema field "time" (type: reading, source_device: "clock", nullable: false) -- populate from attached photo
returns 3:53
